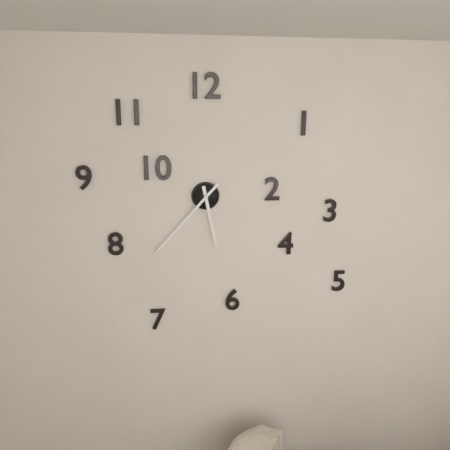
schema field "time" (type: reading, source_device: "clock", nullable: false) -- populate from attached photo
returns 5:37
